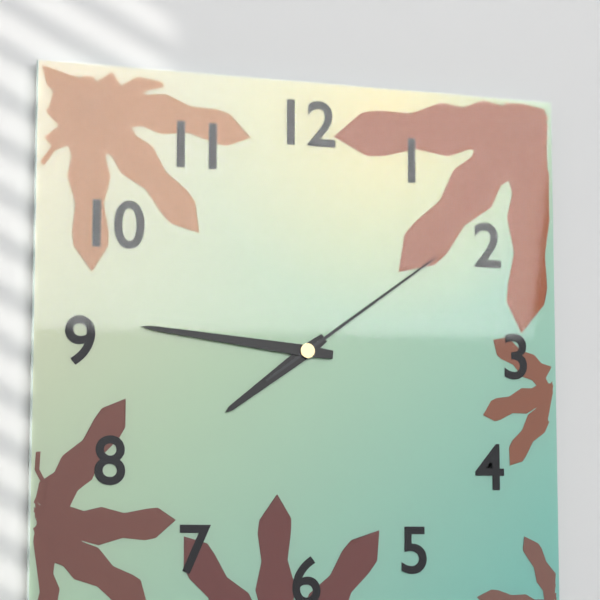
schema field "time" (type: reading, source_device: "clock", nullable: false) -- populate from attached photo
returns 7:46:09
